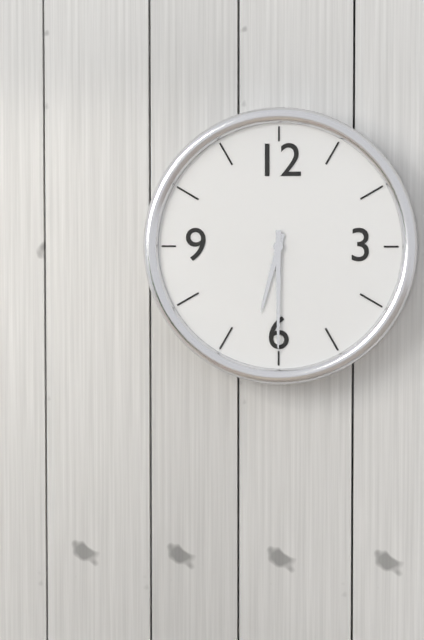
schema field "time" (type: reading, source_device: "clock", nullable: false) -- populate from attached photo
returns 6:30
